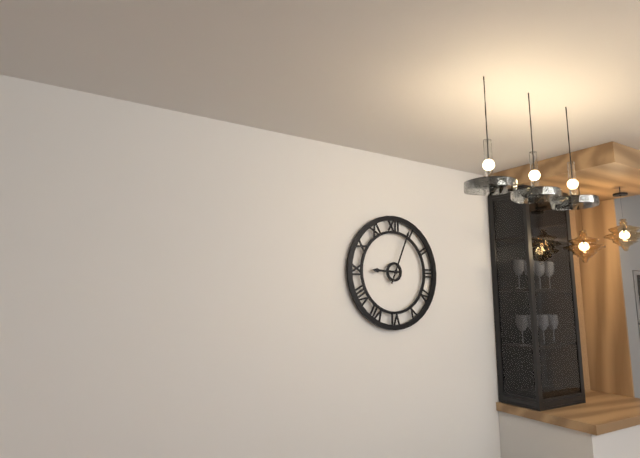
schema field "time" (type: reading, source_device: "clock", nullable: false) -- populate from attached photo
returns 9:04
